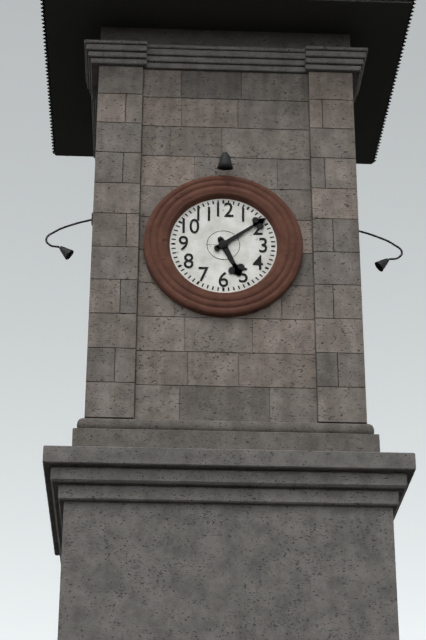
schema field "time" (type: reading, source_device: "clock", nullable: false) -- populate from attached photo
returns 5:09
